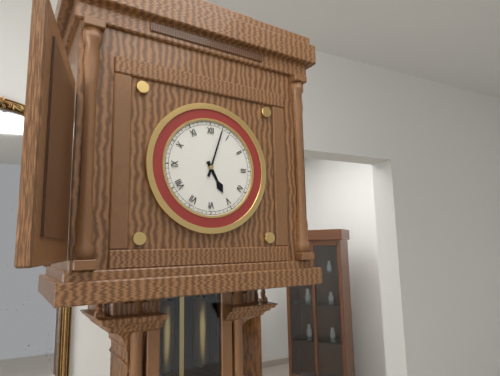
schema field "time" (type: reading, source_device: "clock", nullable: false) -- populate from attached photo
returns 5:03
